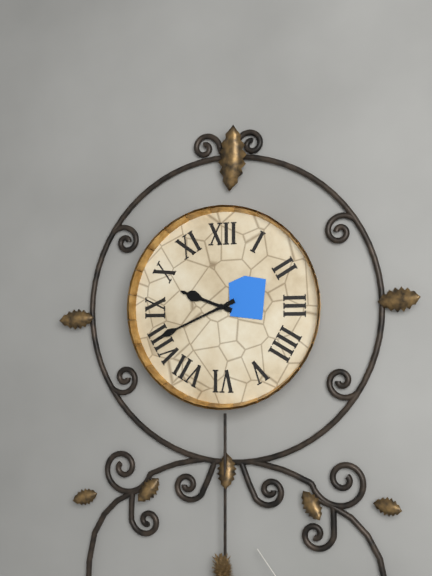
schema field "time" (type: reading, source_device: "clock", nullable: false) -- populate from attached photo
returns 9:41
